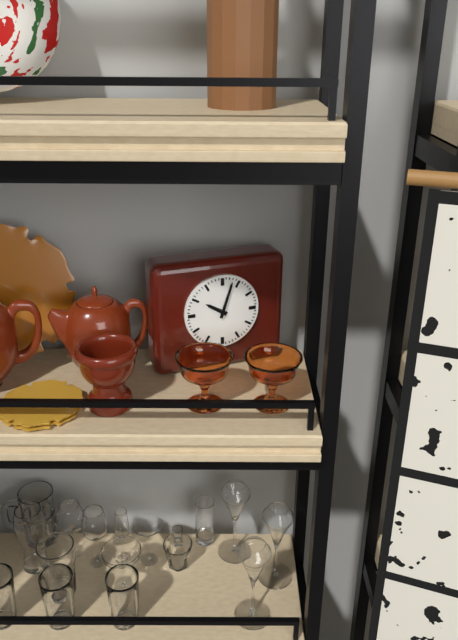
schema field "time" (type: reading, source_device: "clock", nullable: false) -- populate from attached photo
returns 10:03
